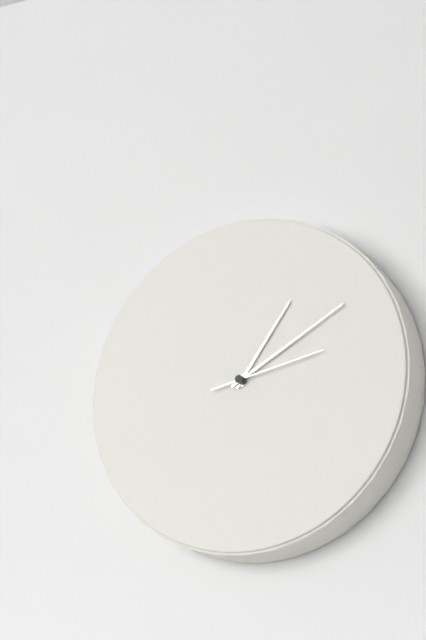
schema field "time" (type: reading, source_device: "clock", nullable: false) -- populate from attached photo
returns 1:10:13
